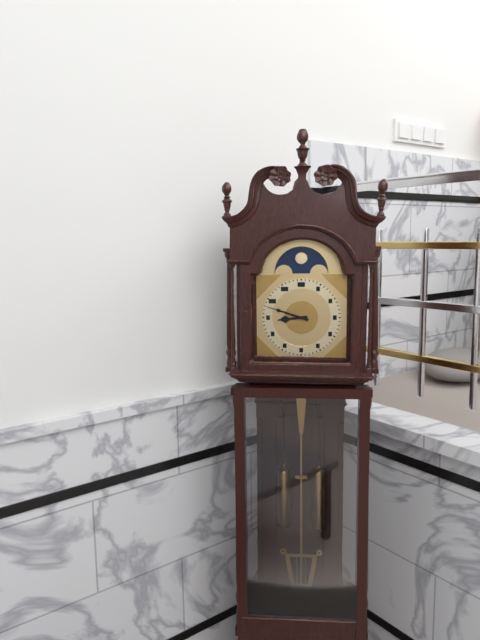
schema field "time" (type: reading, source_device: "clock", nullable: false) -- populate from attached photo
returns 8:48
